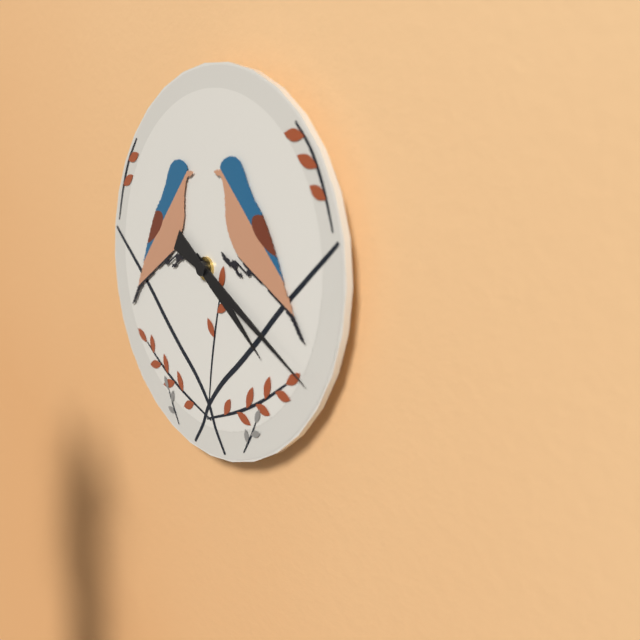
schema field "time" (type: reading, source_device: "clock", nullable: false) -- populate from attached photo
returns 4:20
